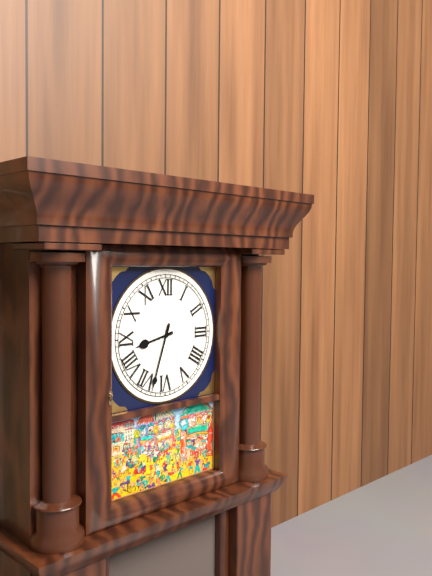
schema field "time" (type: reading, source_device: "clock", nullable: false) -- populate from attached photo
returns 8:33
